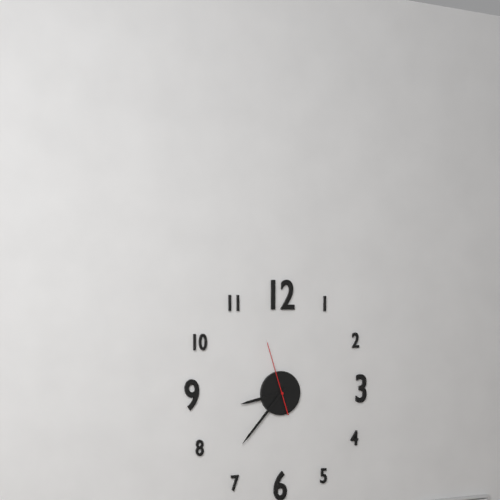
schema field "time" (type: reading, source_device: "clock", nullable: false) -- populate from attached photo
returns 8:37:57
